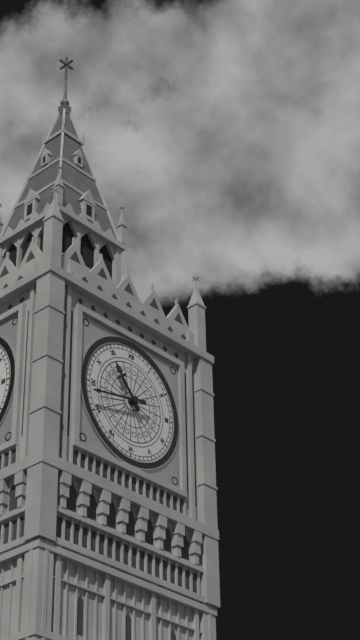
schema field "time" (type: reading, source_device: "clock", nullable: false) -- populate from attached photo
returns 10:43
